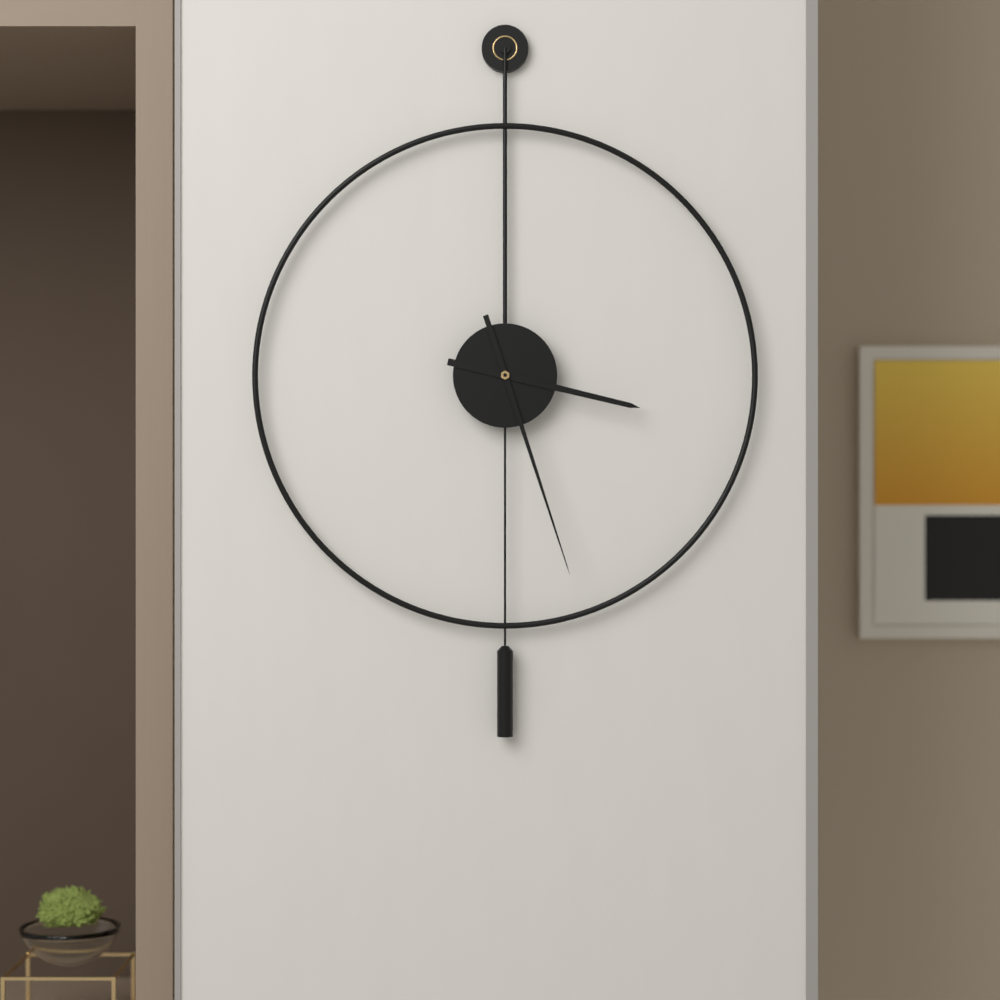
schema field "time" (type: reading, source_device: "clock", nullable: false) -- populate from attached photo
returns 3:27
